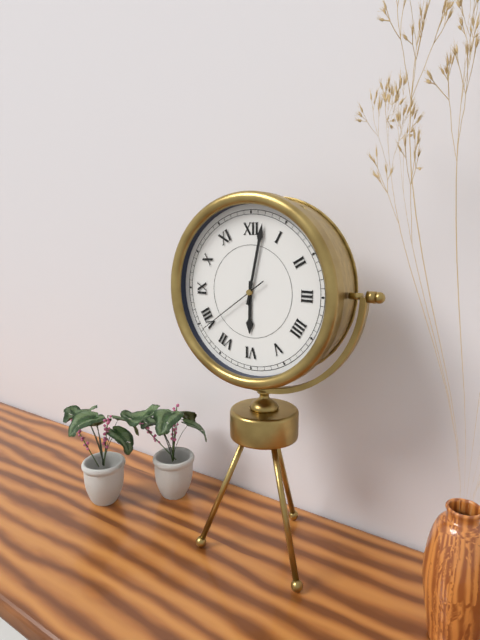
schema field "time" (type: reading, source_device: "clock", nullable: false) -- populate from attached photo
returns 6:02:39
